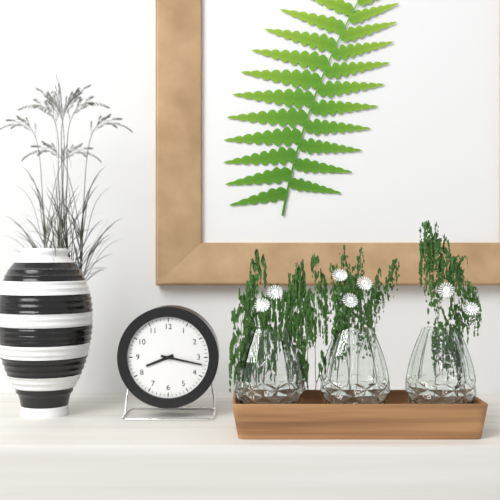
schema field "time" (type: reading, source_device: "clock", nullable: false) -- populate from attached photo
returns 8:17
